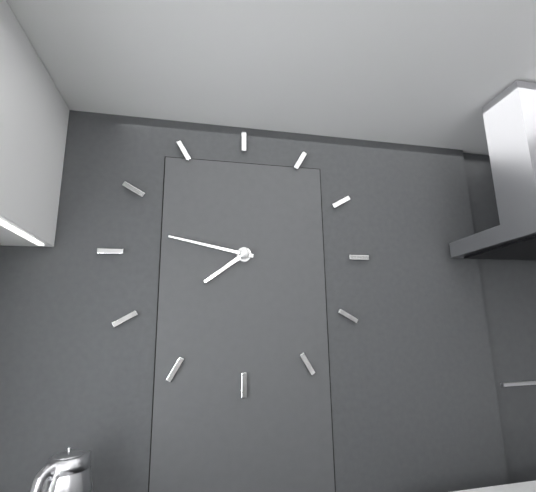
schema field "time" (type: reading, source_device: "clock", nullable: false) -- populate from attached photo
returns 7:47
